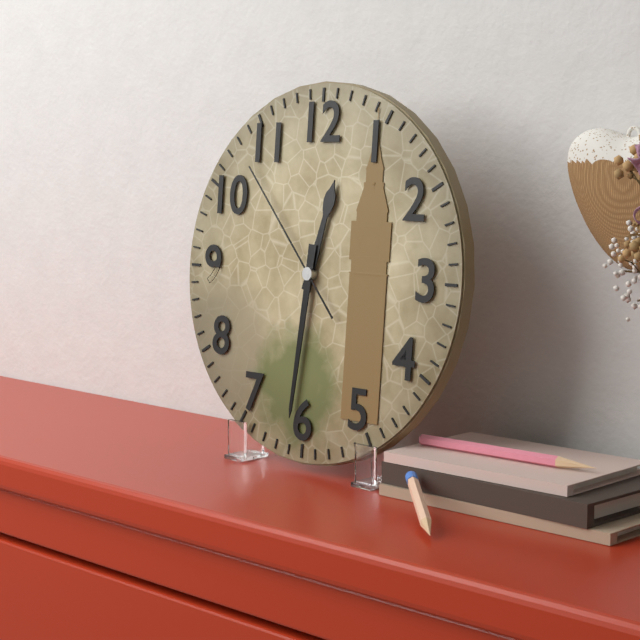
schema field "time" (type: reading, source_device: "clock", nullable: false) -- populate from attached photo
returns 12:31:53
